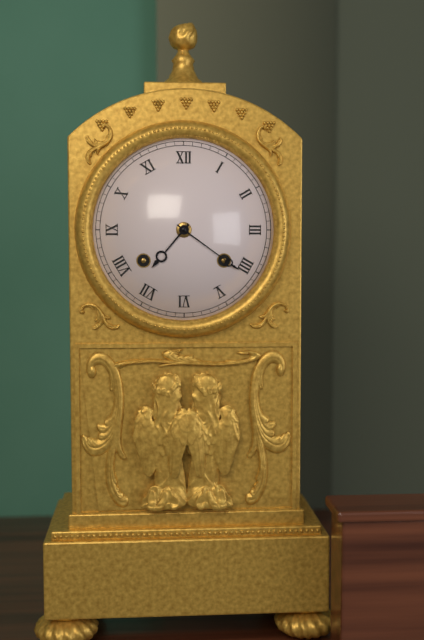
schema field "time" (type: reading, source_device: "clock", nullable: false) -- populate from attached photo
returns 7:21
